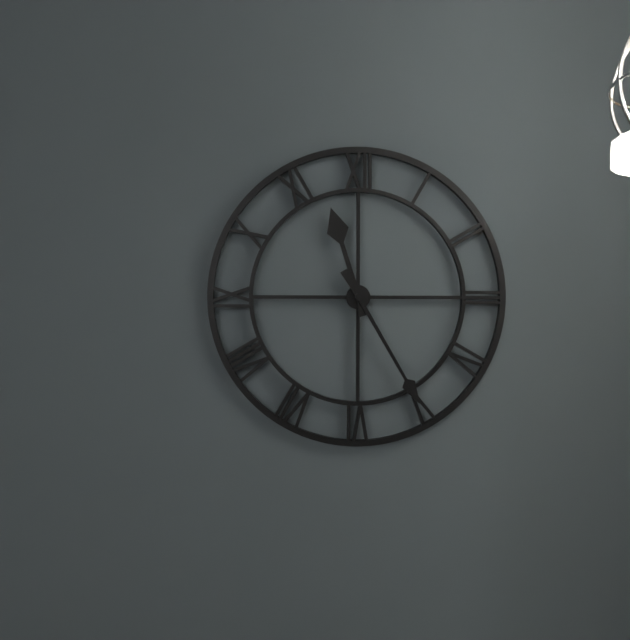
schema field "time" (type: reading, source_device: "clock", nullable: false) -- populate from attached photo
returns 11:25
